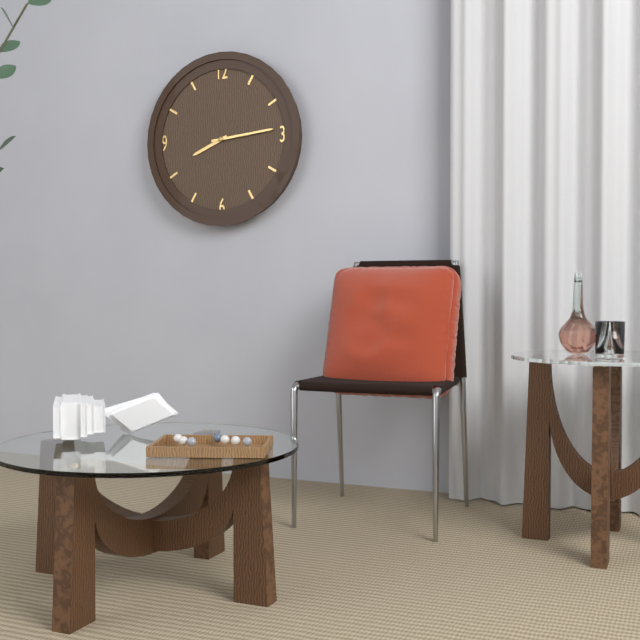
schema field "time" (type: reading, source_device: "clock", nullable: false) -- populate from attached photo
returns 8:14
